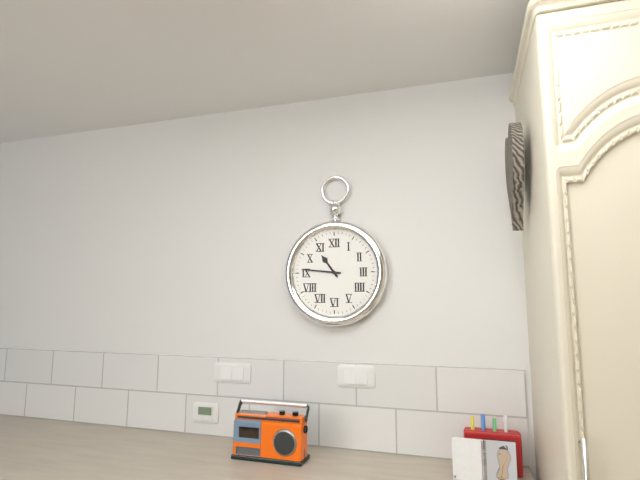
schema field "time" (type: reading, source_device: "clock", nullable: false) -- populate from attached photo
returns 10:46
